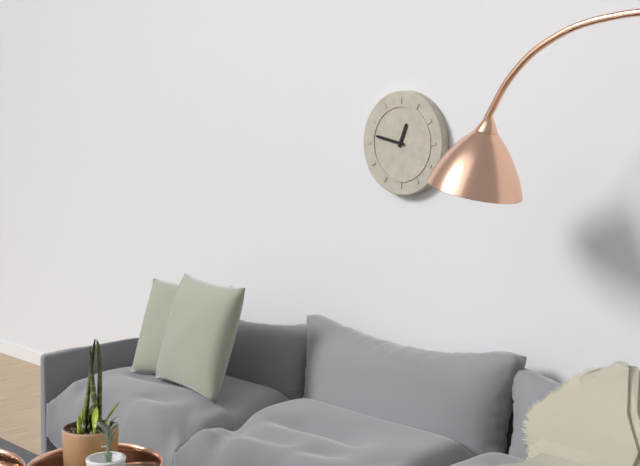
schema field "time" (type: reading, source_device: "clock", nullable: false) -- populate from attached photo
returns 12:47
